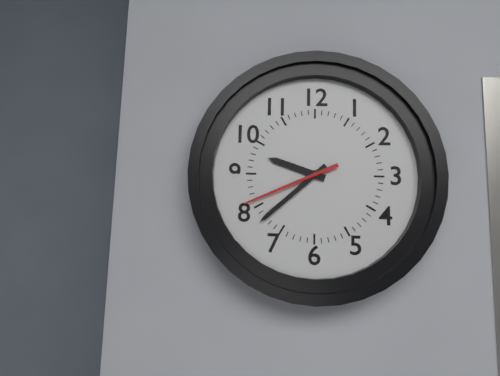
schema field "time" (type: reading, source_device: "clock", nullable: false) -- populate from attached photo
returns 9:38:41
